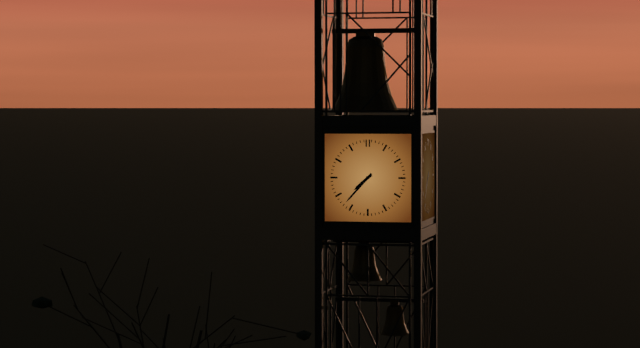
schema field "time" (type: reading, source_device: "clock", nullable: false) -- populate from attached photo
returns 7:37
